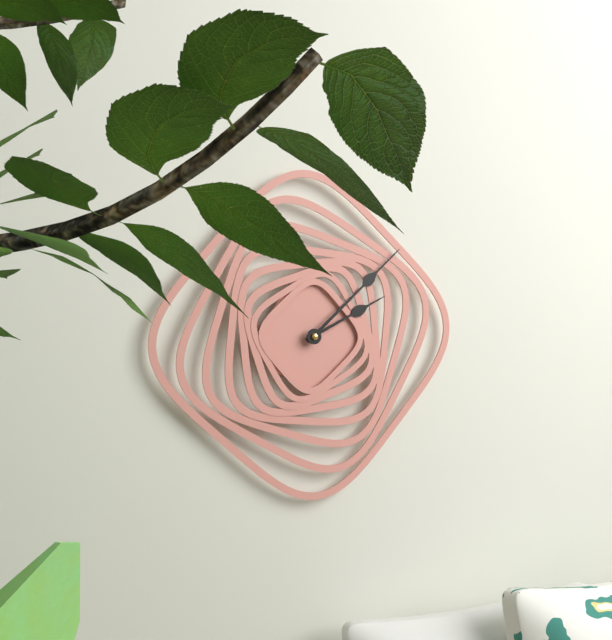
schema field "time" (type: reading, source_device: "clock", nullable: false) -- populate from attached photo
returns 2:08
